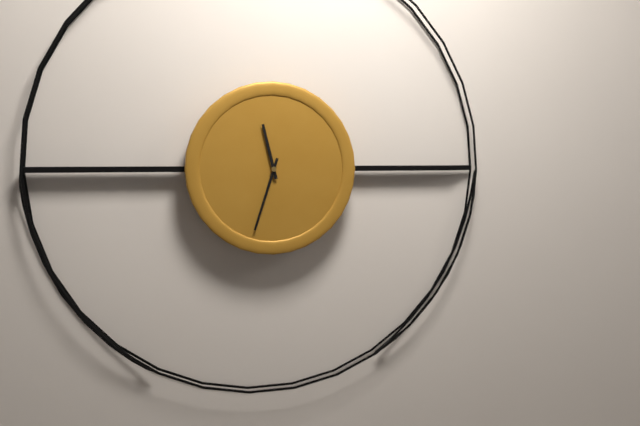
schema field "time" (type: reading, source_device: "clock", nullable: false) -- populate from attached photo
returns 11:33
